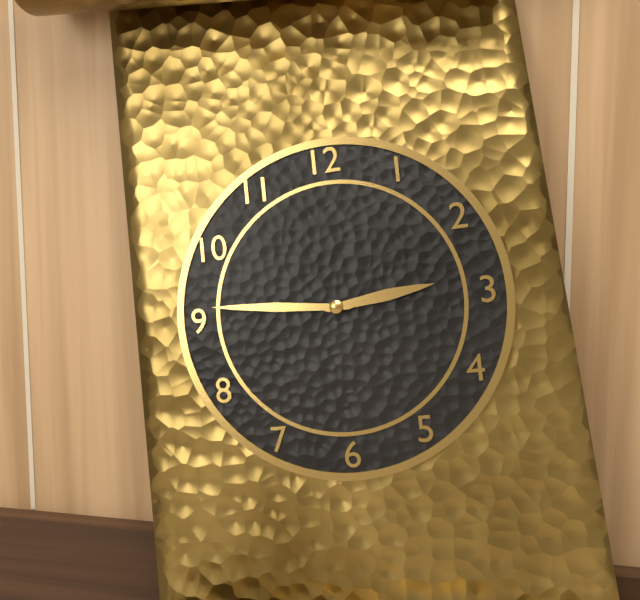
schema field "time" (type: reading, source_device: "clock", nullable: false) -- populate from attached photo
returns 2:46
